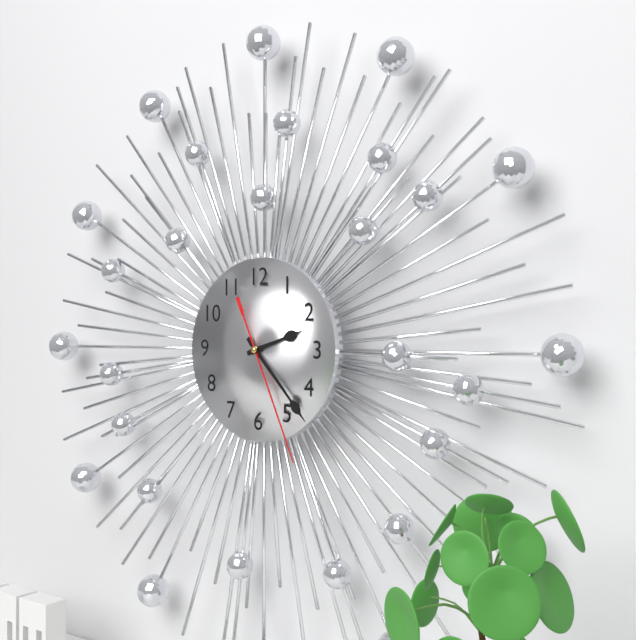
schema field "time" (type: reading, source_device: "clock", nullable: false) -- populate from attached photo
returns 2:23:26
